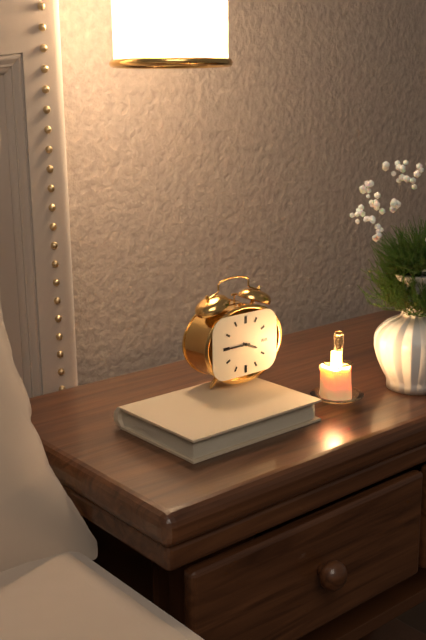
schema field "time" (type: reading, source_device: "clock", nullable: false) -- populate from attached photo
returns 3:45
